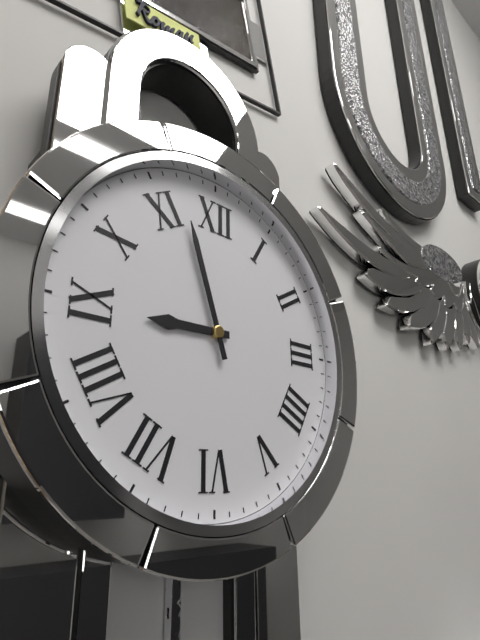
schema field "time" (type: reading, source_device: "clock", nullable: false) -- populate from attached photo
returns 8:57
